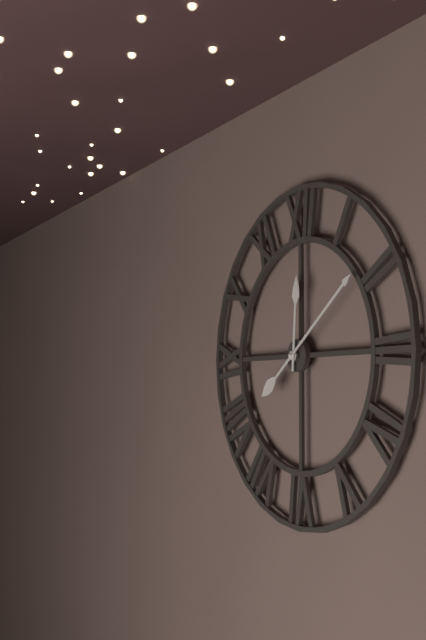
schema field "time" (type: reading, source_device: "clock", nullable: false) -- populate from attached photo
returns 12:09
